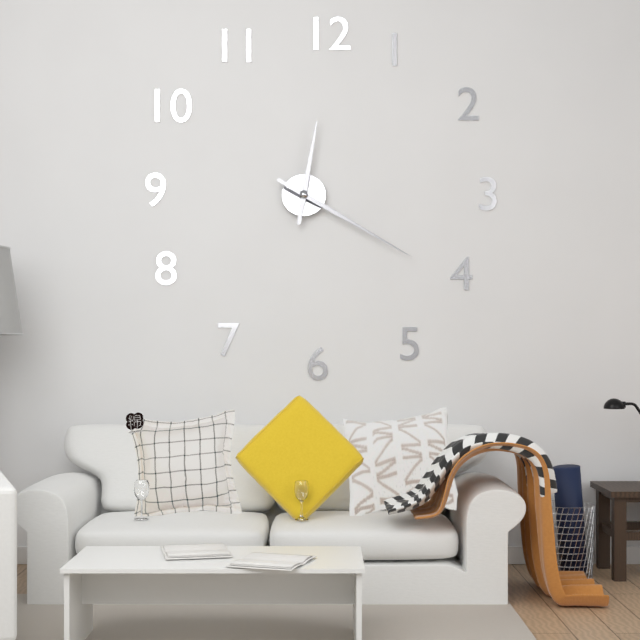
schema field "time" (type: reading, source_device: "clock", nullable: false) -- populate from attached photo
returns 12:20
